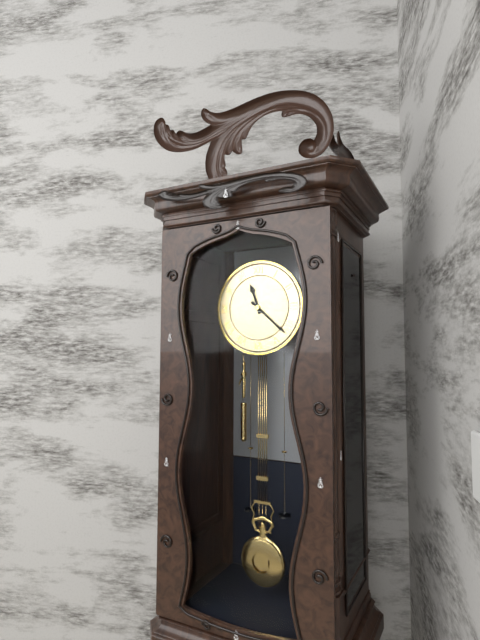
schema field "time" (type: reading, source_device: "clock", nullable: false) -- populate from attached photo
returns 11:22
